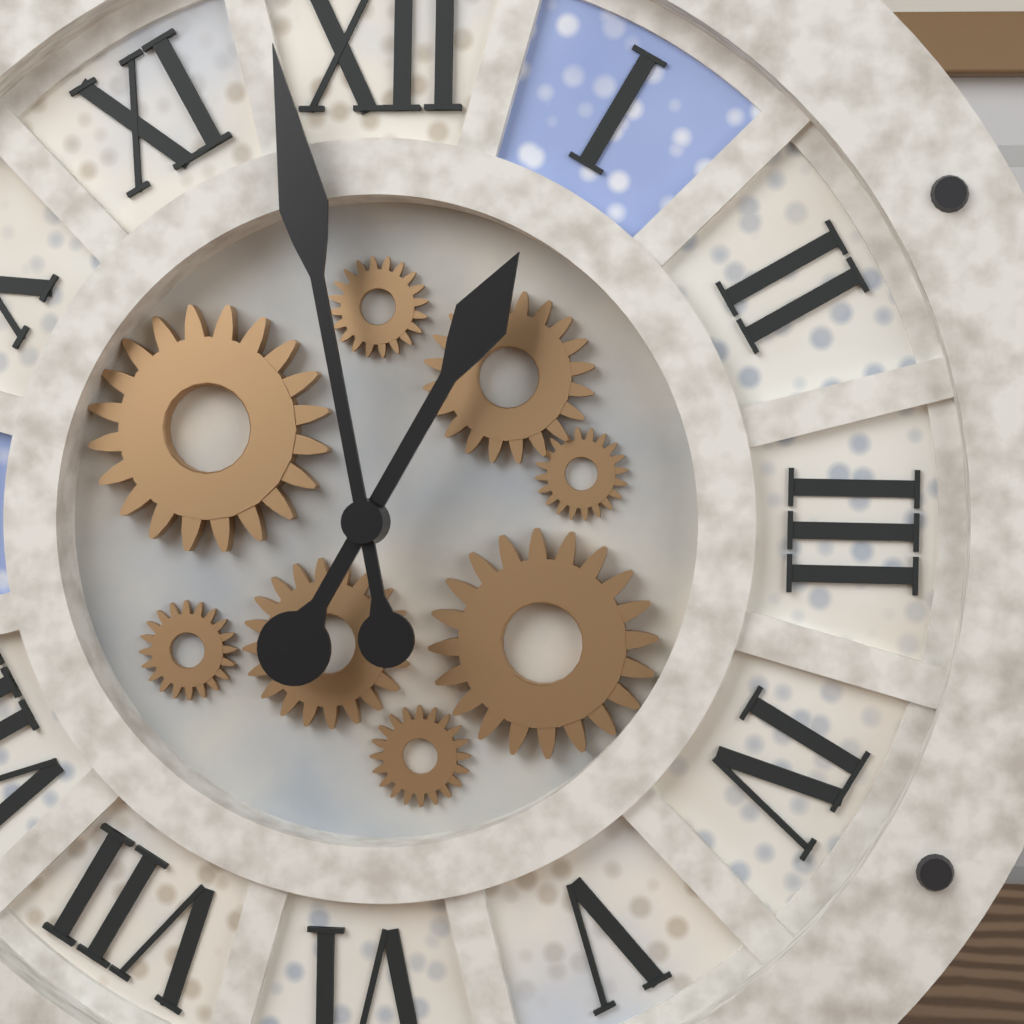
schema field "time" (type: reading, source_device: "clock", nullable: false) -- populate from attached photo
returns 12:58
